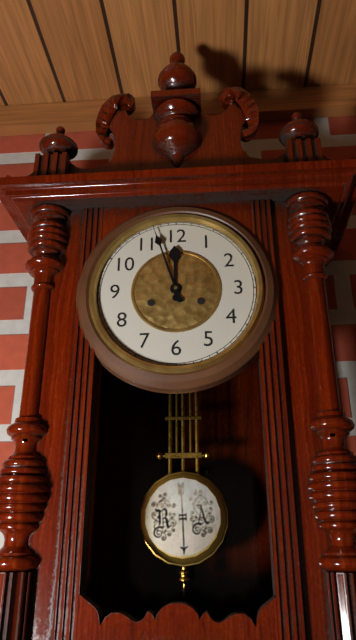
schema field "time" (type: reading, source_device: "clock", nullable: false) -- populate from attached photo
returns 11:57
